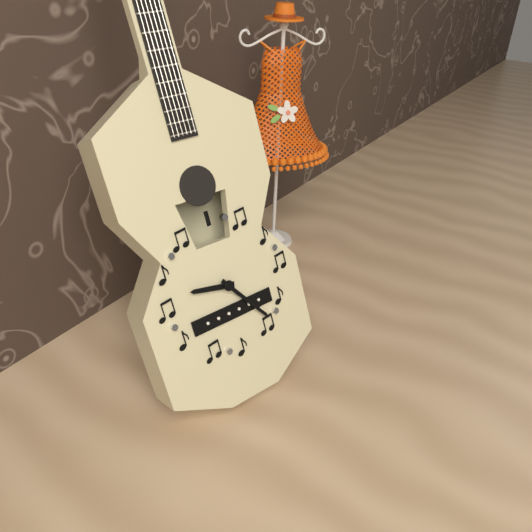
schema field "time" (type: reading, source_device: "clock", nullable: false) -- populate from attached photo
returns 9:24
